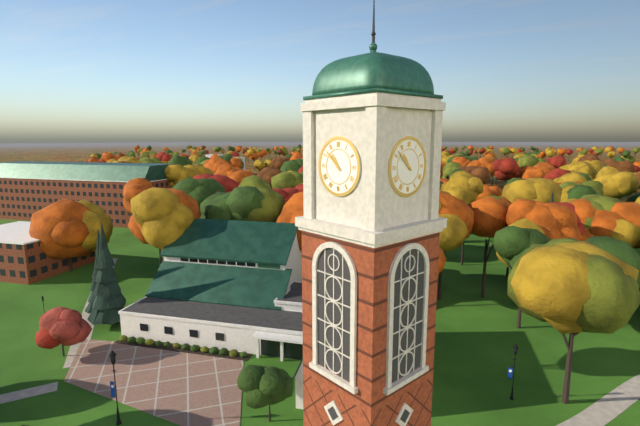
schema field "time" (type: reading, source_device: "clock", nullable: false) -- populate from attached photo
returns 10:52
